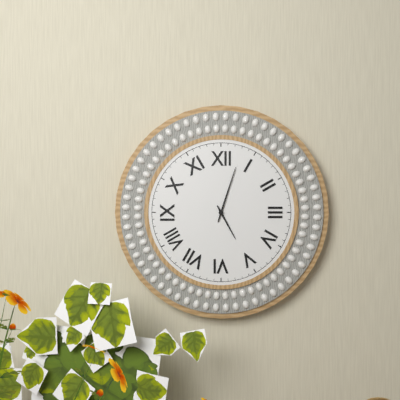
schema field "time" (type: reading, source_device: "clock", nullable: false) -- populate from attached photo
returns 5:03
